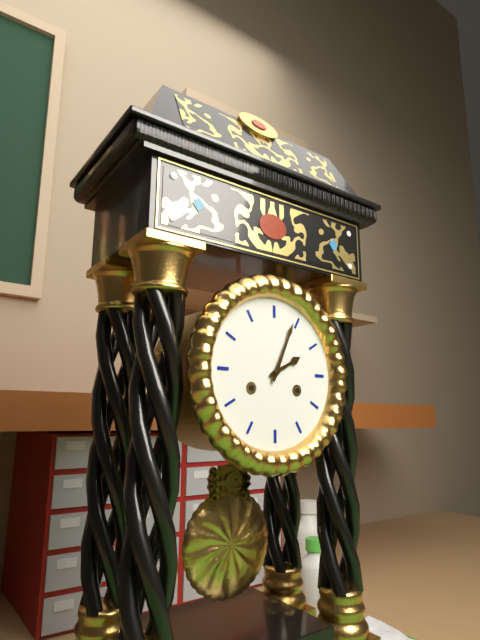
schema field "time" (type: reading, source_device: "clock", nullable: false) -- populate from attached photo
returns 2:04
